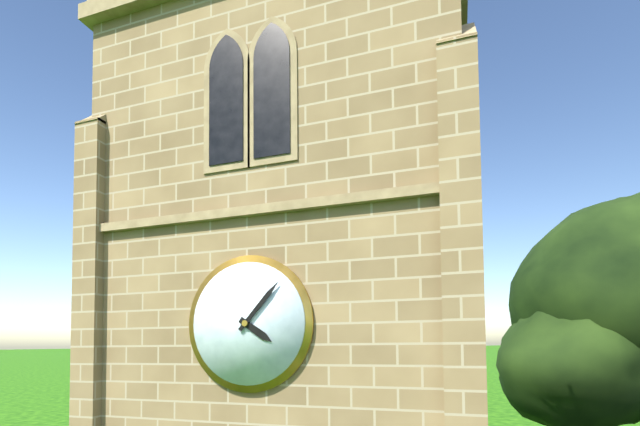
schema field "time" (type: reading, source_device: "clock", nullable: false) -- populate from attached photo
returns 4:07
